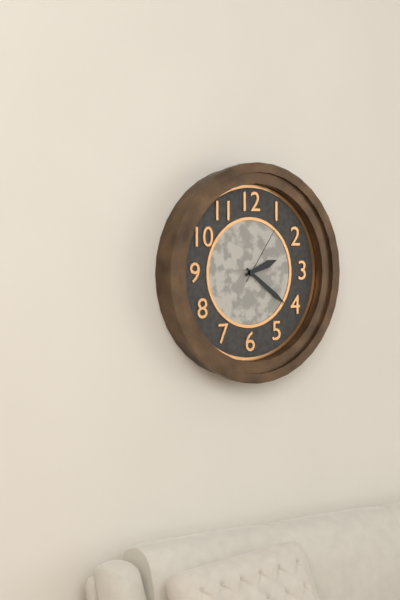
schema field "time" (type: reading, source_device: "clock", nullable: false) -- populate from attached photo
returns 2:21:06
